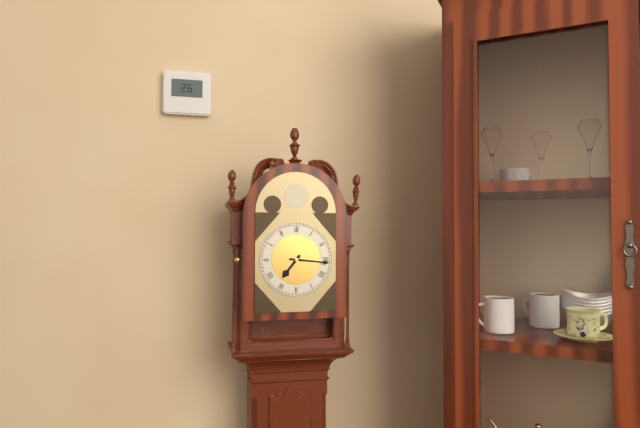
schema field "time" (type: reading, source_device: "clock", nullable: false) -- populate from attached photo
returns 7:16
